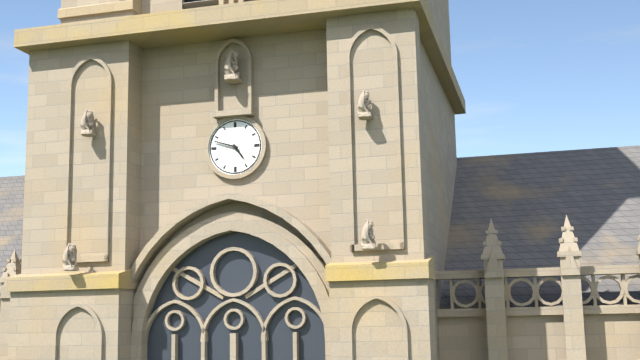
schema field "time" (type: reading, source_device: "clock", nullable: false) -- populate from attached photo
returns 4:48
